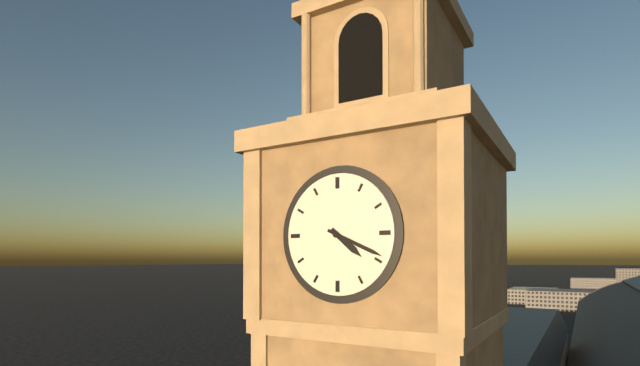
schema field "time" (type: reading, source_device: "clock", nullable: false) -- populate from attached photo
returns 4:19
